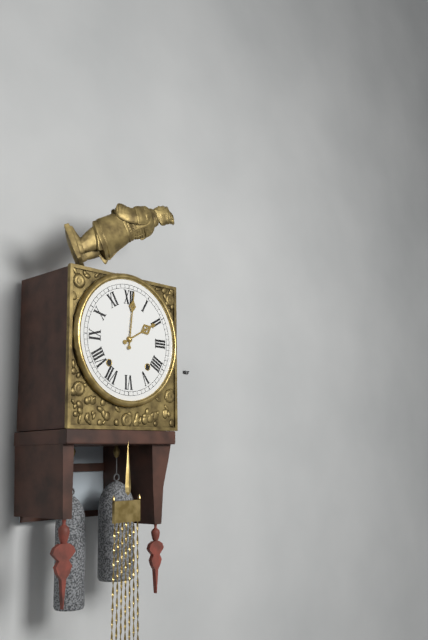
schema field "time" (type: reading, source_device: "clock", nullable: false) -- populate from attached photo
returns 2:01
